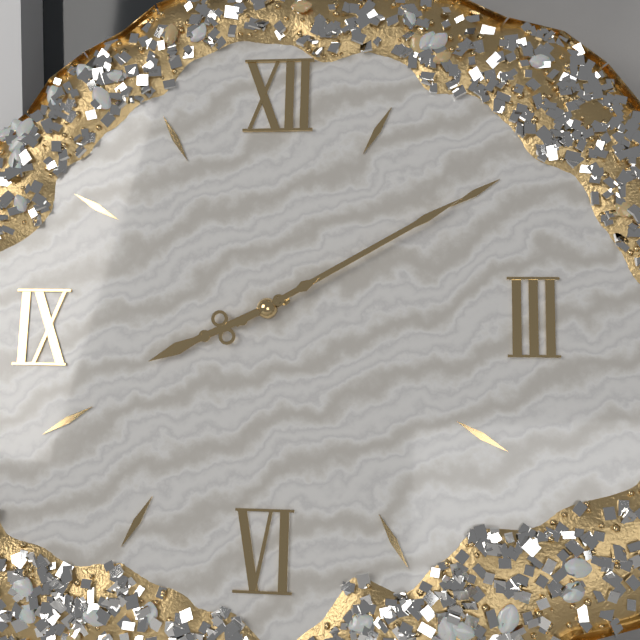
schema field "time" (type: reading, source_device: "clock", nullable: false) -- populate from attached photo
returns 8:10
